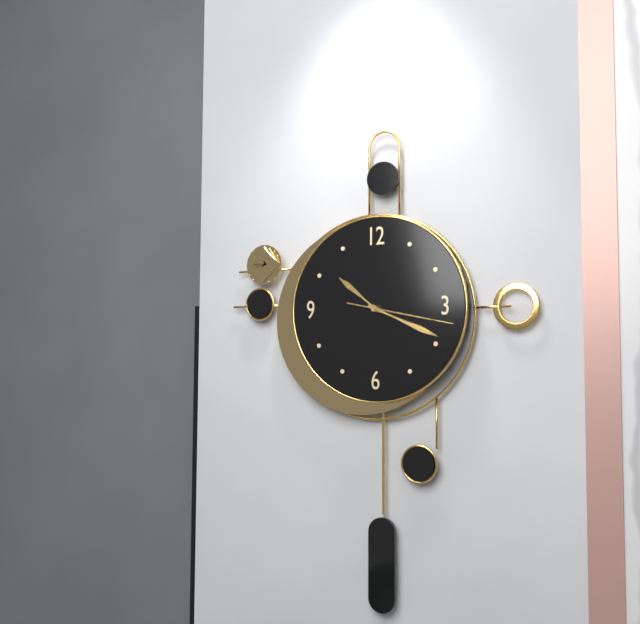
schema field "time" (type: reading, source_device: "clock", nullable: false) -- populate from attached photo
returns 10:19:17
